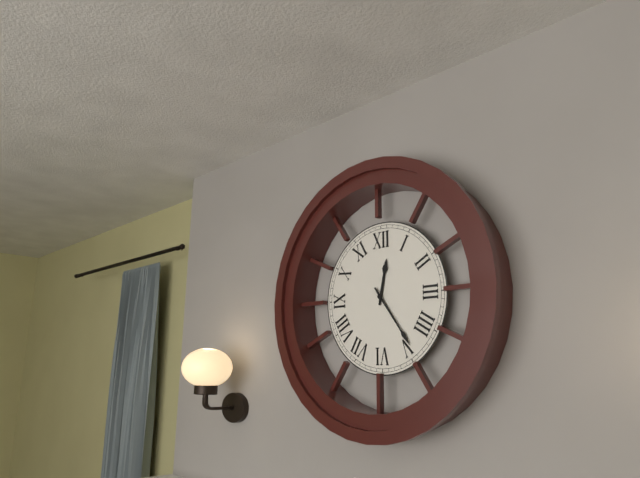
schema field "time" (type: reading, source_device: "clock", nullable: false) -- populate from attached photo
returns 12:24
